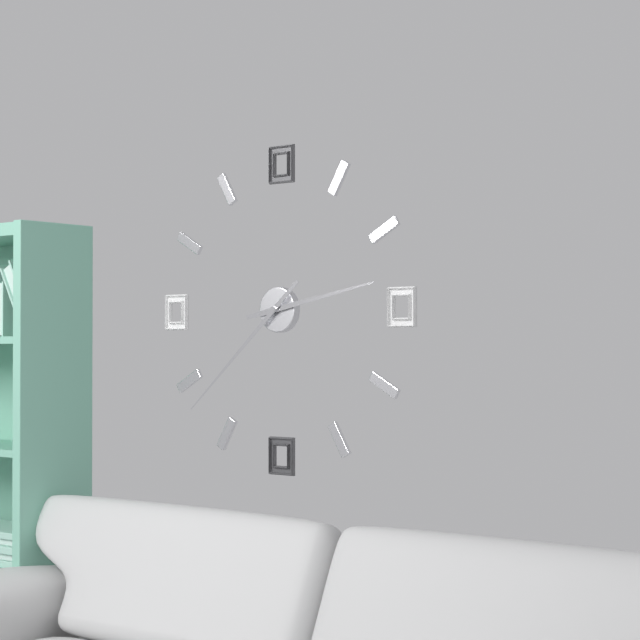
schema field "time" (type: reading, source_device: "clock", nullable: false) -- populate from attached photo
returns 2:38
